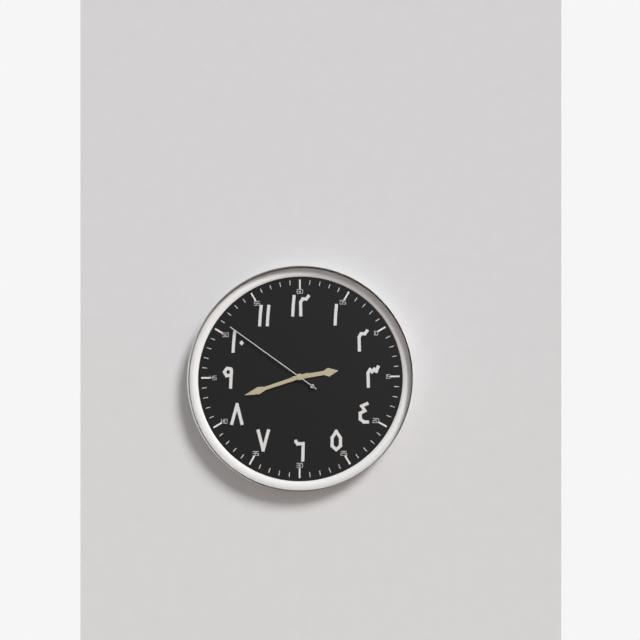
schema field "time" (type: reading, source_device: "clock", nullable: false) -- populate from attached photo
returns 2:42:51
